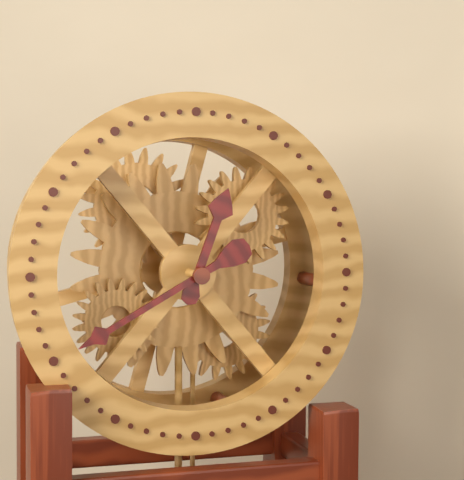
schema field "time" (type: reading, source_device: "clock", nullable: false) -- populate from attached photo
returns 12:40
